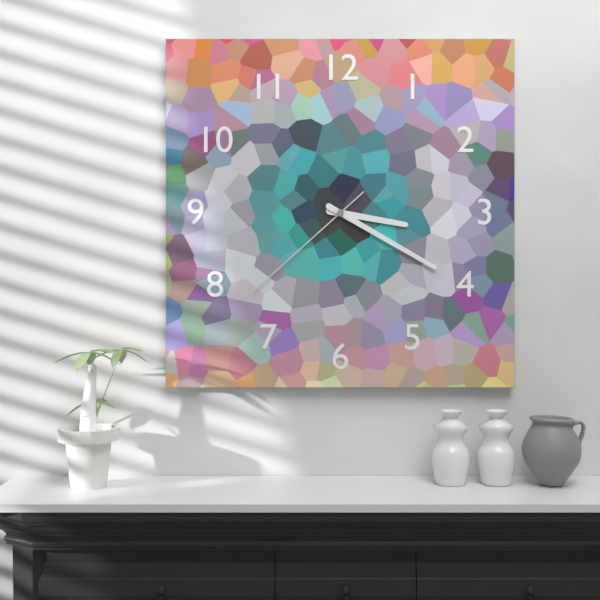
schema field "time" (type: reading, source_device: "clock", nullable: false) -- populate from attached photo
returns 3:20:38
